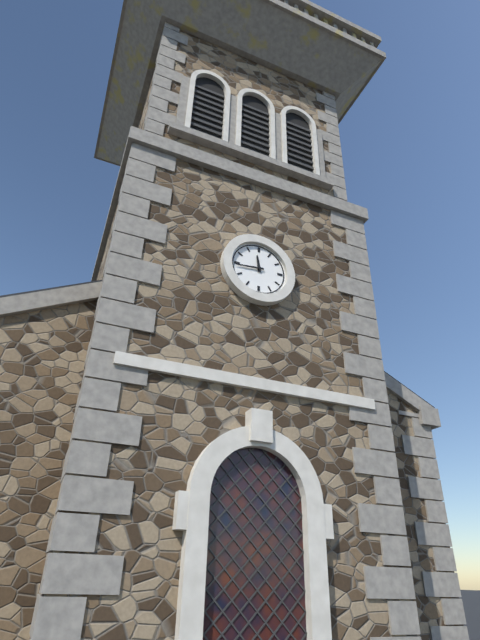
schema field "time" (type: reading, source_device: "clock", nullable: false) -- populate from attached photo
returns 11:44
